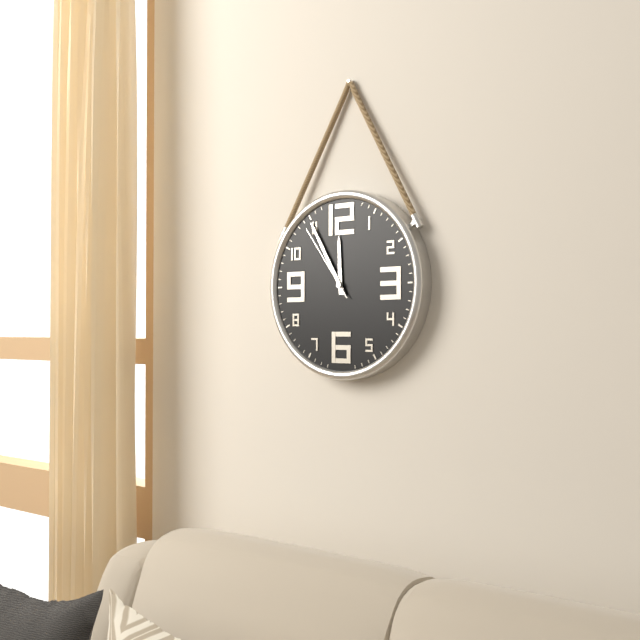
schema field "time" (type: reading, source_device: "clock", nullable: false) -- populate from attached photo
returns 11:55:54
